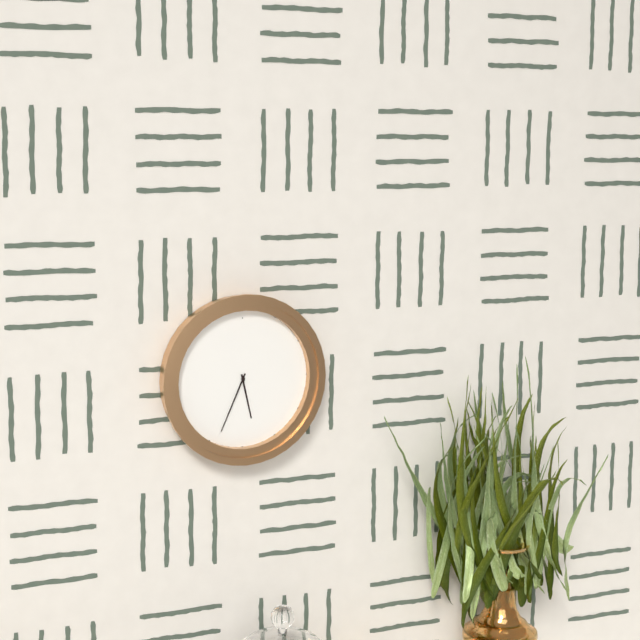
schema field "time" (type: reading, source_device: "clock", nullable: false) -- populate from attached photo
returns 5:34
